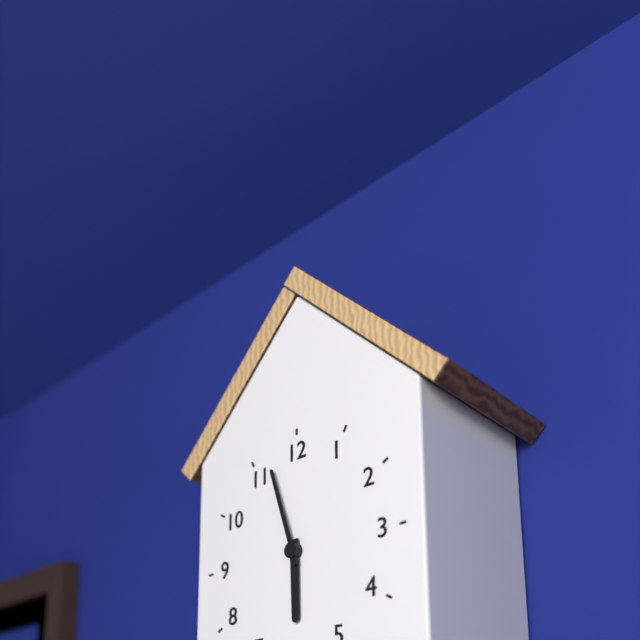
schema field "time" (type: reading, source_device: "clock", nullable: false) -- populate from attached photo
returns 5:57
